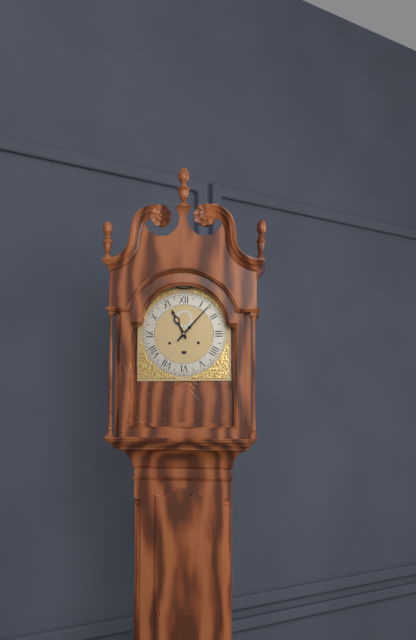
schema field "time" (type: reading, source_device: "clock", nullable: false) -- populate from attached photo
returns 11:07
